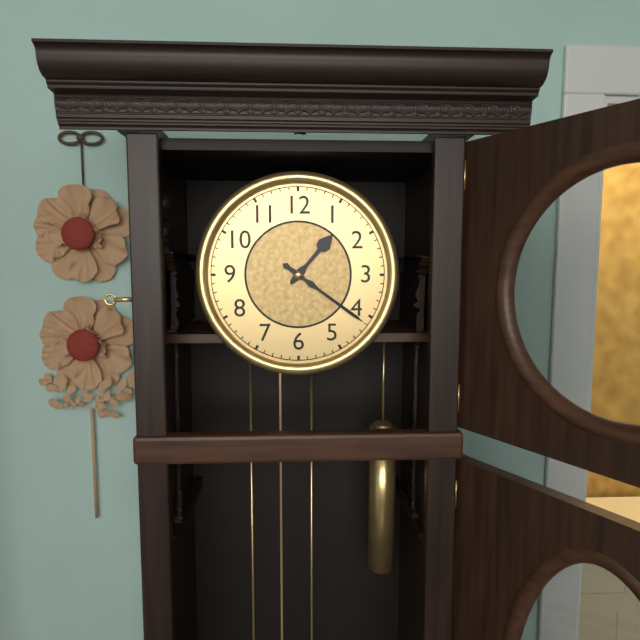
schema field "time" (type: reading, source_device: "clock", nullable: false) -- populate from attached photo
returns 1:21
